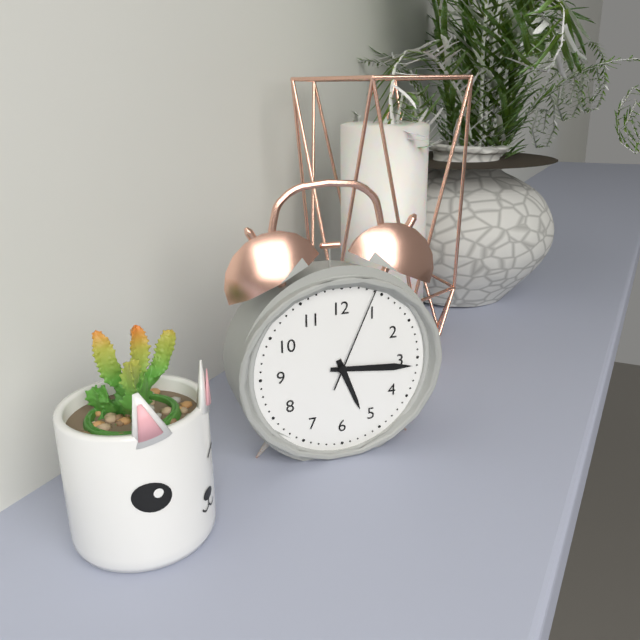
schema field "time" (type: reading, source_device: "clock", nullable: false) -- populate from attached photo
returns 5:16:04
